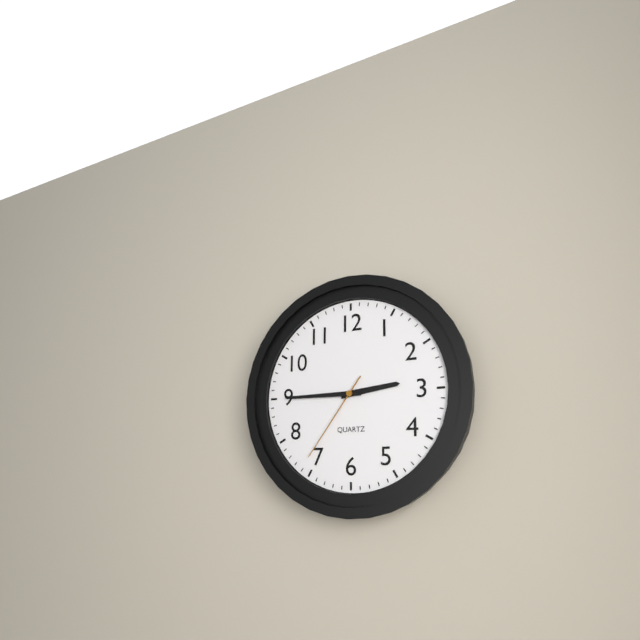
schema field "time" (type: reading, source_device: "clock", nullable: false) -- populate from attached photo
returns 2:45:36
